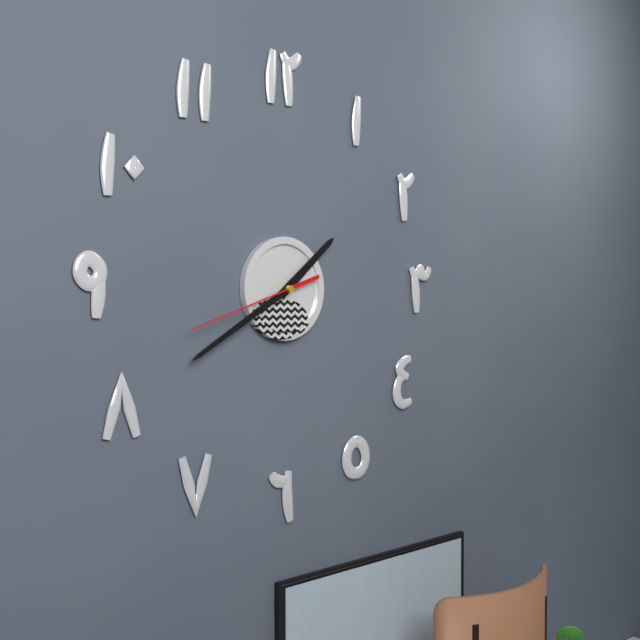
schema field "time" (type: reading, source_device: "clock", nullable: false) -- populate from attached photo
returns 1:40:42
